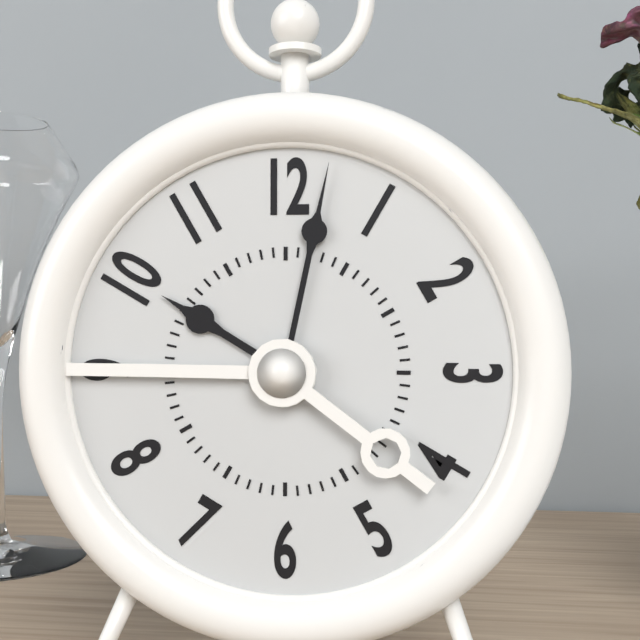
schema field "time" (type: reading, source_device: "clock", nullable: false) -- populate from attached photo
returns 10:02
